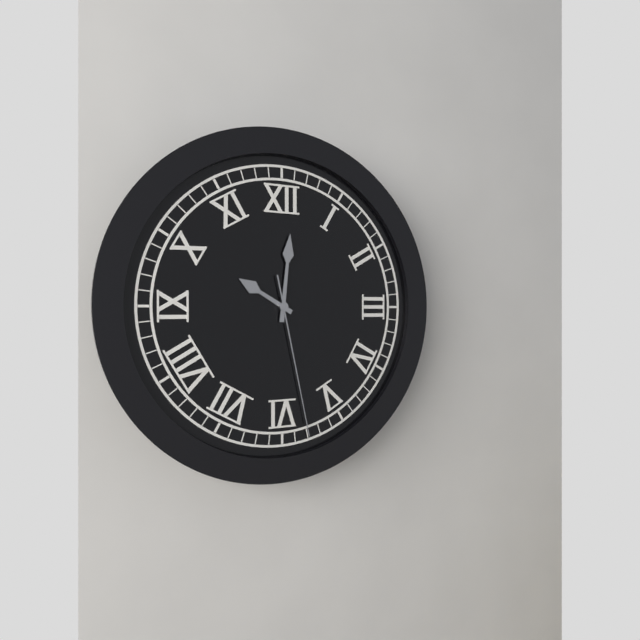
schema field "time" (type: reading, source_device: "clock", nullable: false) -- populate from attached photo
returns 10:01:28
